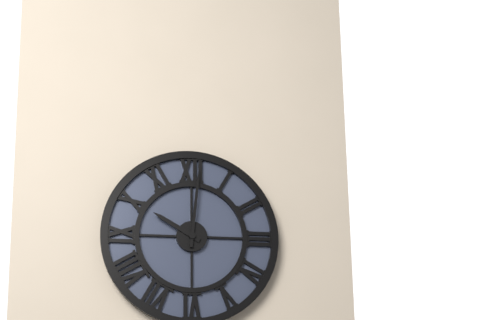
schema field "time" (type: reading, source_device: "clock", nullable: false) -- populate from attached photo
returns 10:01
